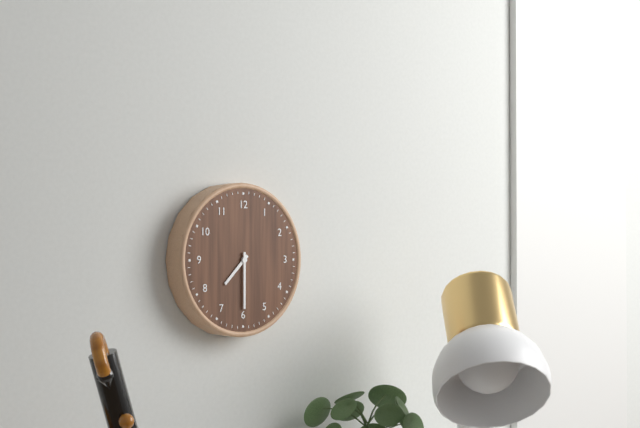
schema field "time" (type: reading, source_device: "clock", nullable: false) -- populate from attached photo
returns 7:30
